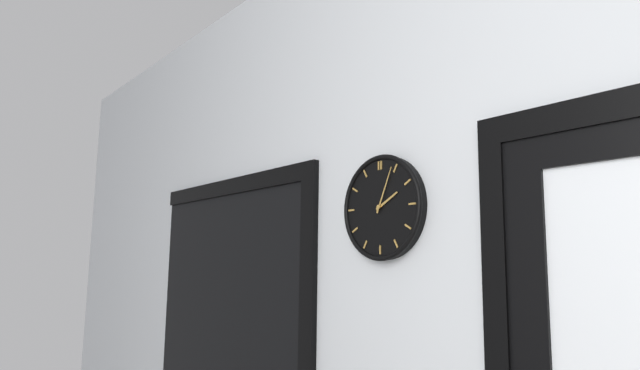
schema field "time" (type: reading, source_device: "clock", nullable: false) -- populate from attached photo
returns 2:04
